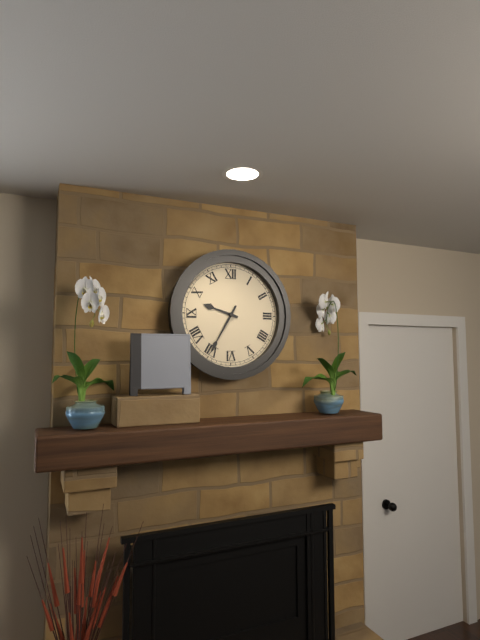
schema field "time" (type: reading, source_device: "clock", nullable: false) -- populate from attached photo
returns 9:35
